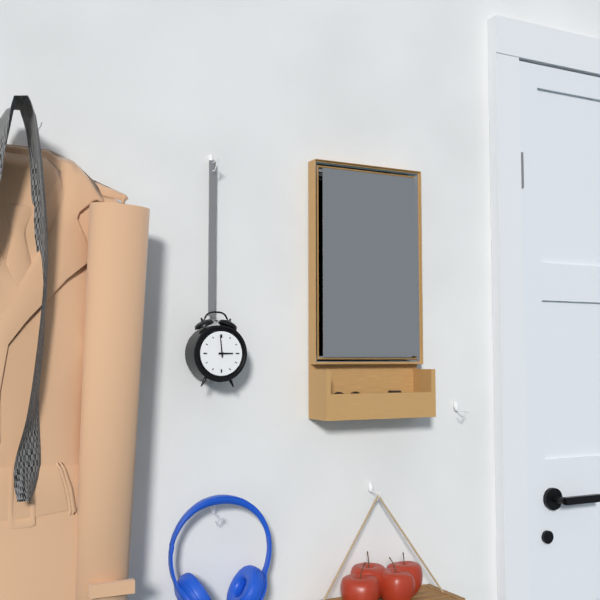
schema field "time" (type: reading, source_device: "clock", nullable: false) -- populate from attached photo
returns 2:59
